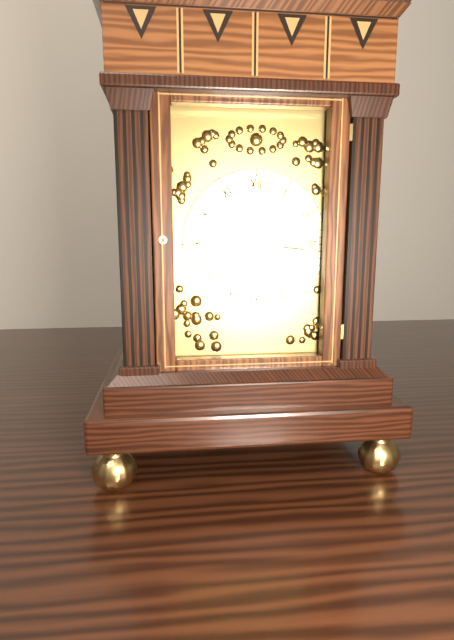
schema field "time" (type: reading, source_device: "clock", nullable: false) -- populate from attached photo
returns 6:16
